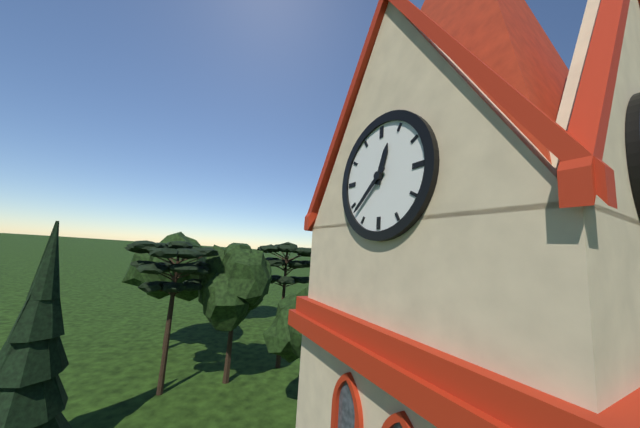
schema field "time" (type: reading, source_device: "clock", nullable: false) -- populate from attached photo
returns 12:38
